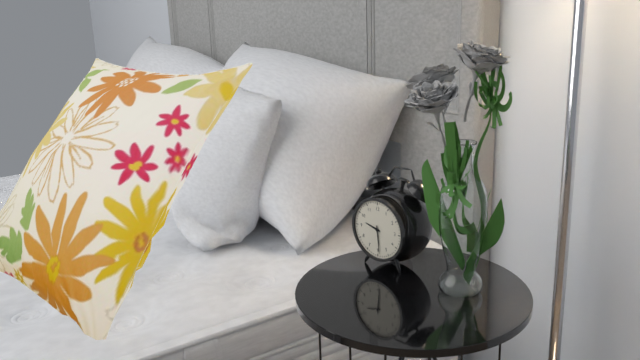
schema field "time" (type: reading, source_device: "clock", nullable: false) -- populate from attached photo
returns 9:29
